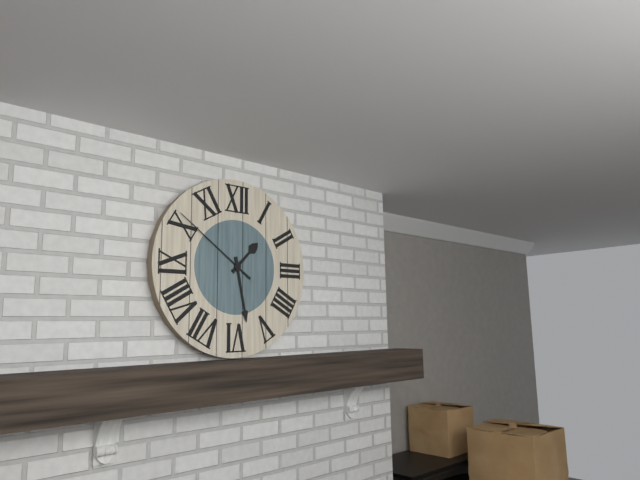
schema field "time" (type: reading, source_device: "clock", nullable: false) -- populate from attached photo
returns 1:28:51
